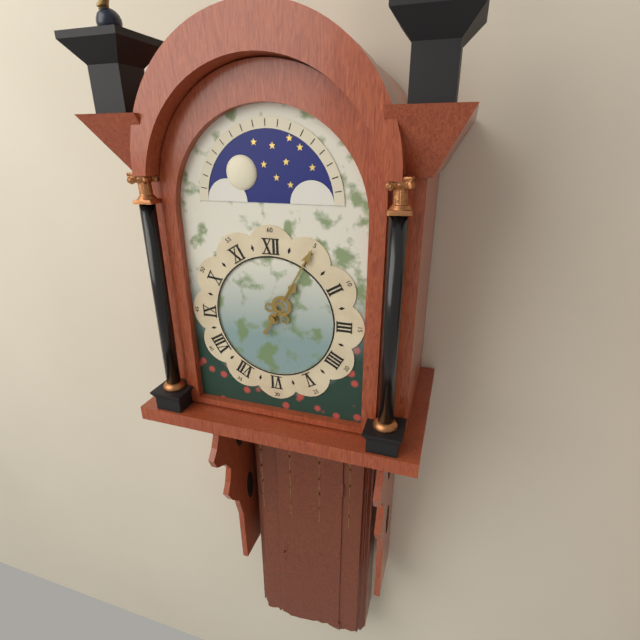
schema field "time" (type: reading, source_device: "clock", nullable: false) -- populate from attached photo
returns 1:05
